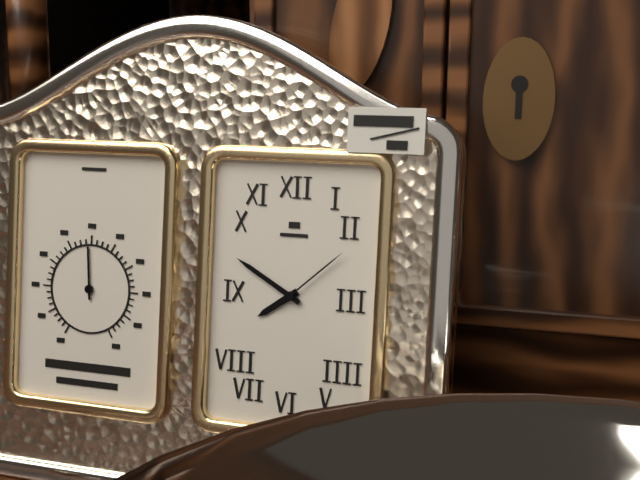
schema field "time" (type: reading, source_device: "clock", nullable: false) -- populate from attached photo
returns 7:50:08
